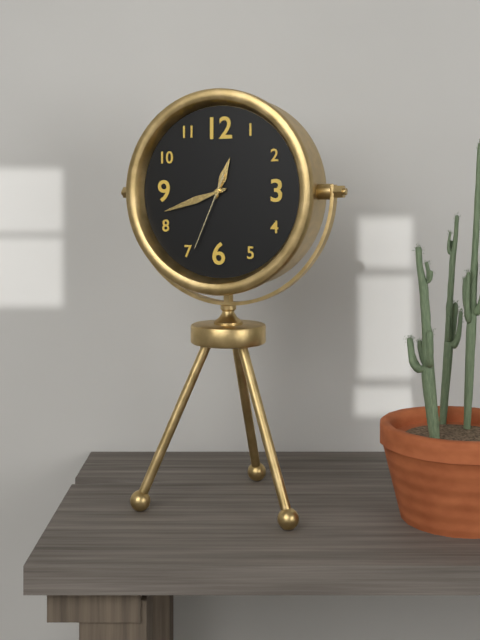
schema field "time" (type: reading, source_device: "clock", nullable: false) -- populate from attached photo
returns 12:42:34
